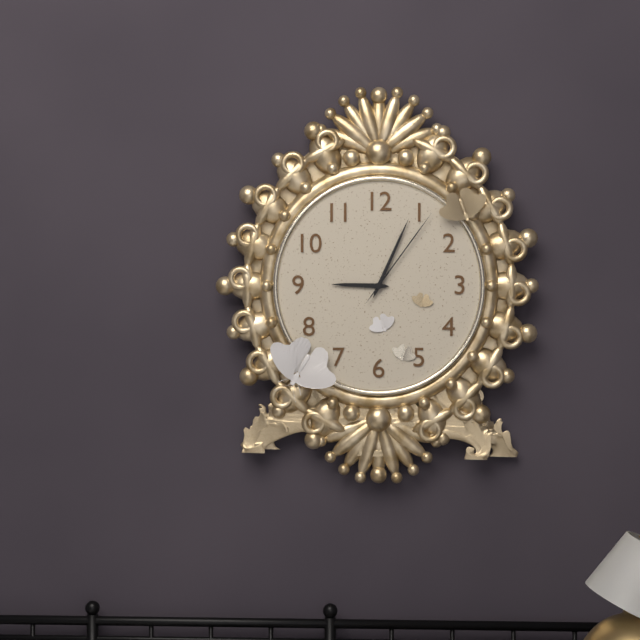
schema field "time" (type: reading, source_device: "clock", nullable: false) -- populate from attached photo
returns 9:04:06
